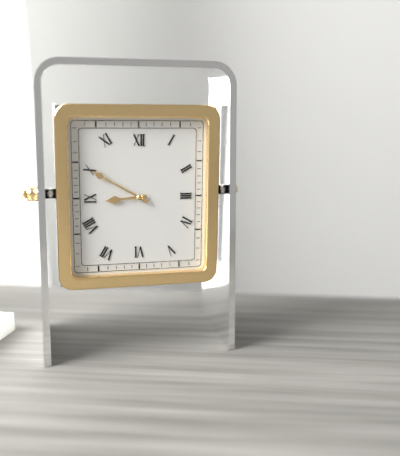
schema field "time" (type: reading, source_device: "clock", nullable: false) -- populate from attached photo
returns 8:50
